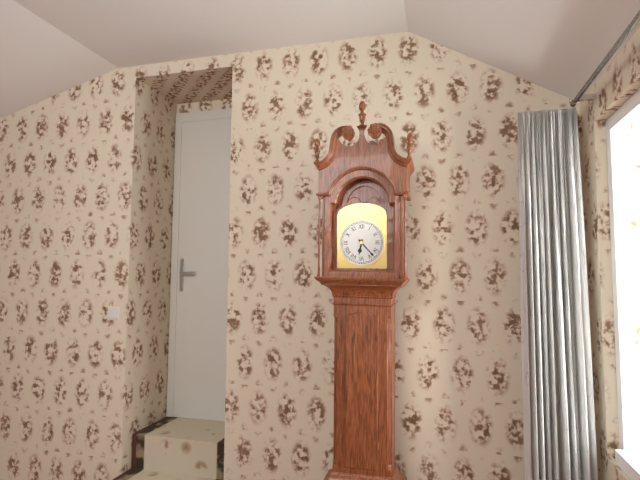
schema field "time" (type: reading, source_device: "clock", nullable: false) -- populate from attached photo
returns 6:23
